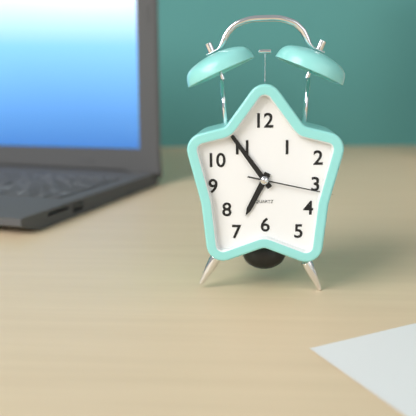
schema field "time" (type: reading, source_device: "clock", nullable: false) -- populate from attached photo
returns 6:54:17
